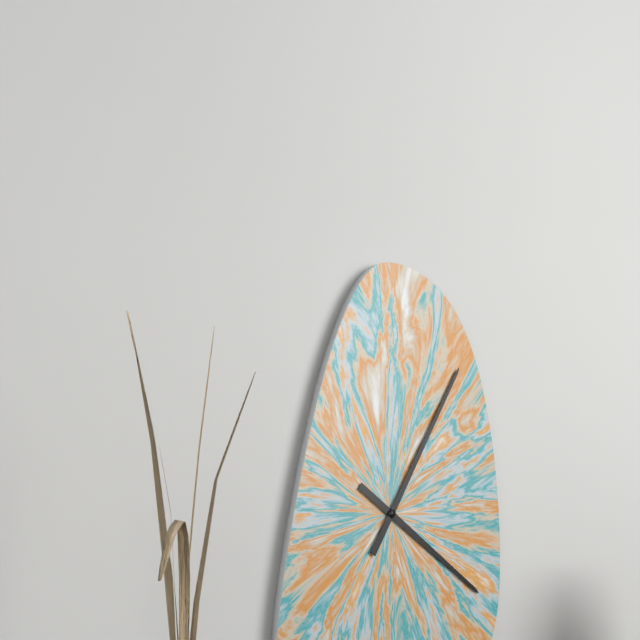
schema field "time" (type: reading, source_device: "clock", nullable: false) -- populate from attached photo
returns 4:05
